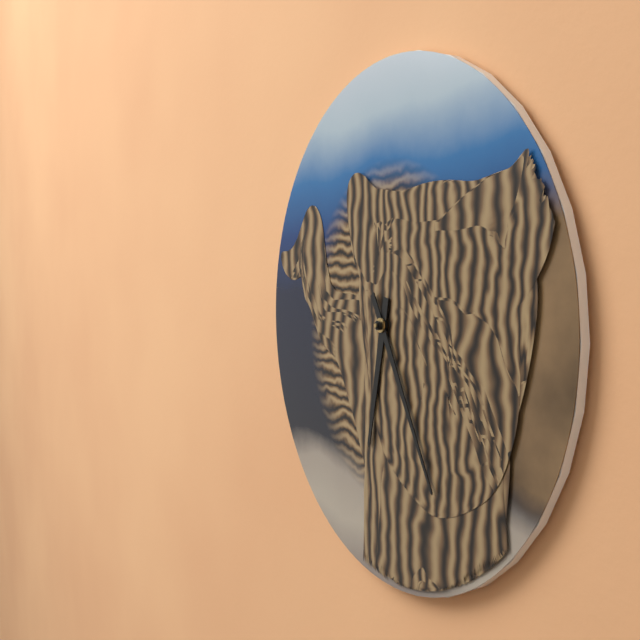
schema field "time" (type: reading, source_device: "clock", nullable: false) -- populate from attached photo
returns 6:25
